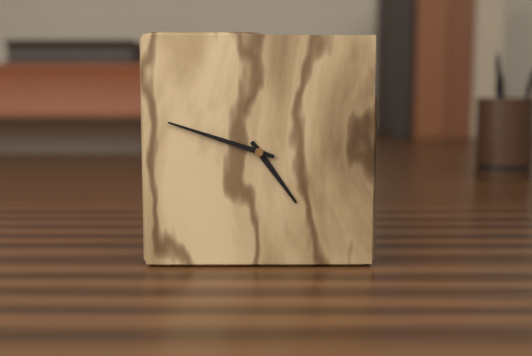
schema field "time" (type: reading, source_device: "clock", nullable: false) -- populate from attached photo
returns 4:48
